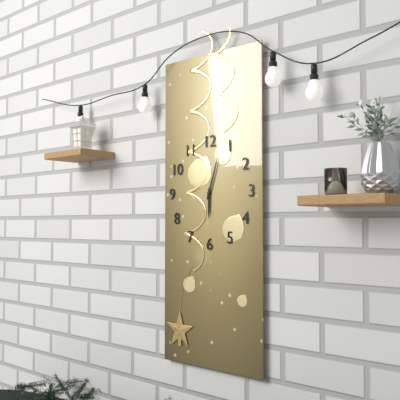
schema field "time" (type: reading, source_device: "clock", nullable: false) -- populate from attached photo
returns 6:03
